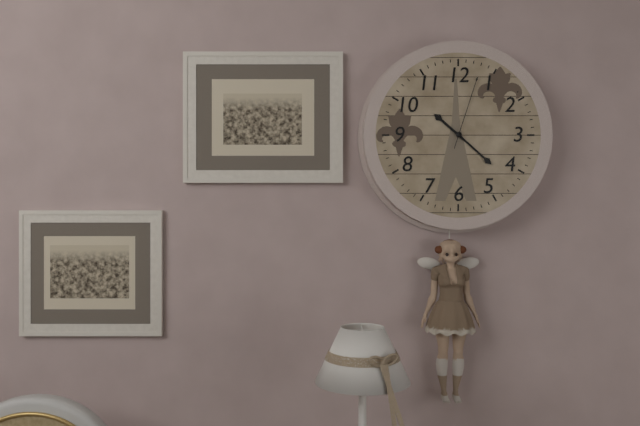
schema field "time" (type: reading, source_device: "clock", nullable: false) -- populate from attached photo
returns 10:22:03
